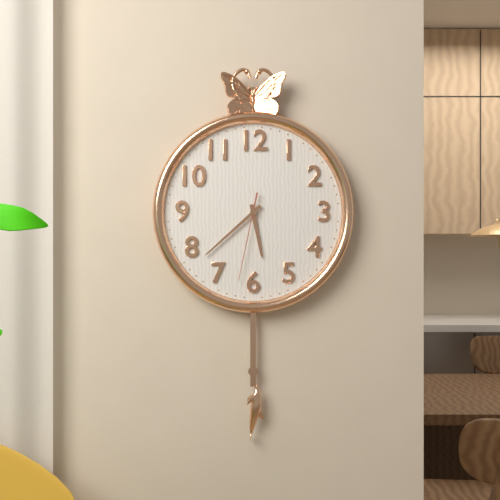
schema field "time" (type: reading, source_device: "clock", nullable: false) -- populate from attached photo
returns 5:38:32
